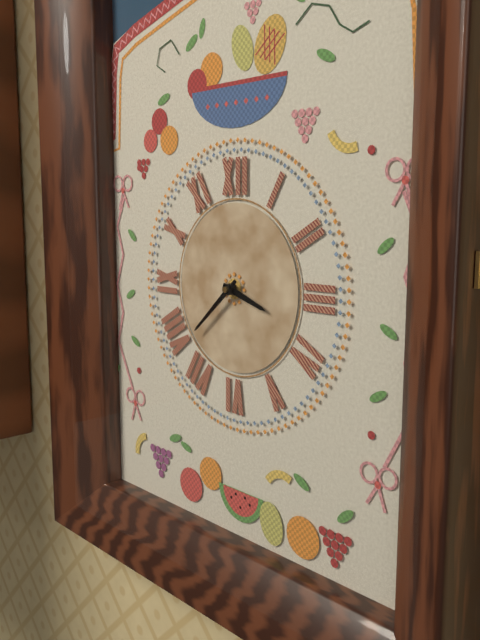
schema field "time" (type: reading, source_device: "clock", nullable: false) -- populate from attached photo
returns 3:38
